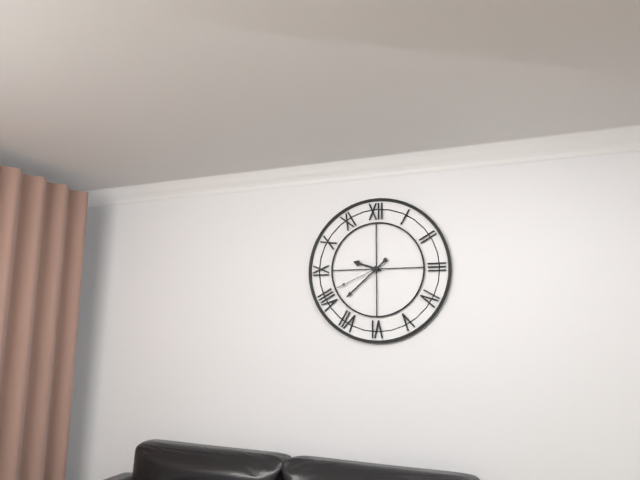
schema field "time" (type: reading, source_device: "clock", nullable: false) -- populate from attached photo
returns 9:38:41
